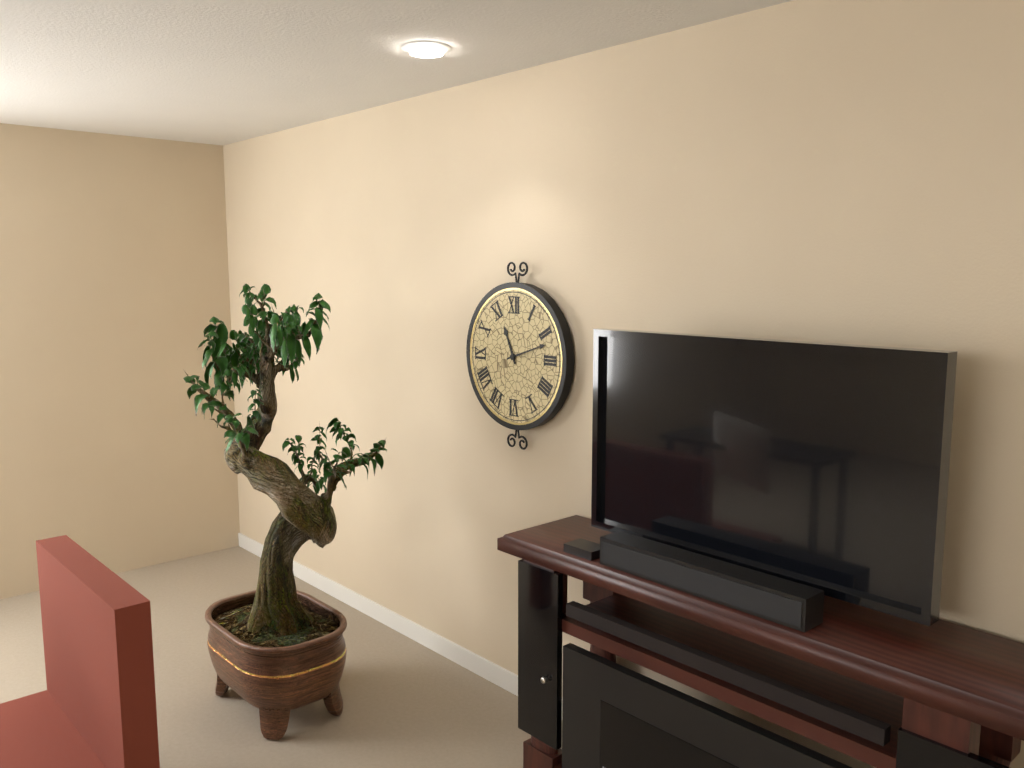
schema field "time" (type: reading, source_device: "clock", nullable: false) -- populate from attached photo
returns 11:12
